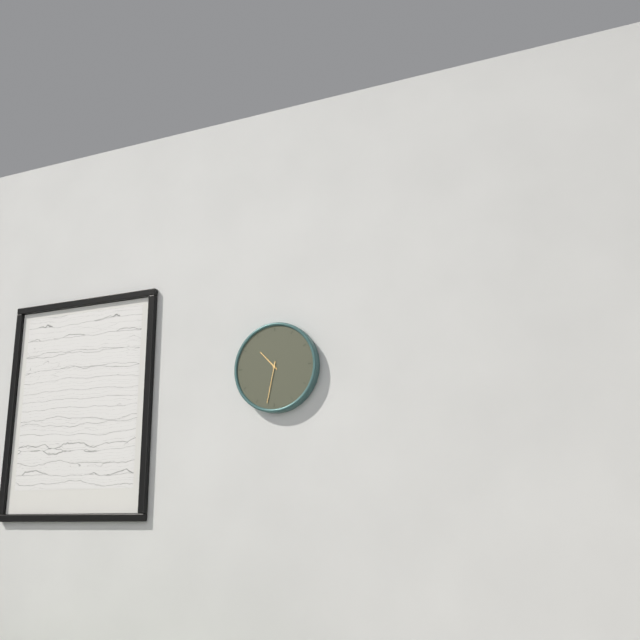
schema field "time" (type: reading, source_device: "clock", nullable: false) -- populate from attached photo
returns 10:32
